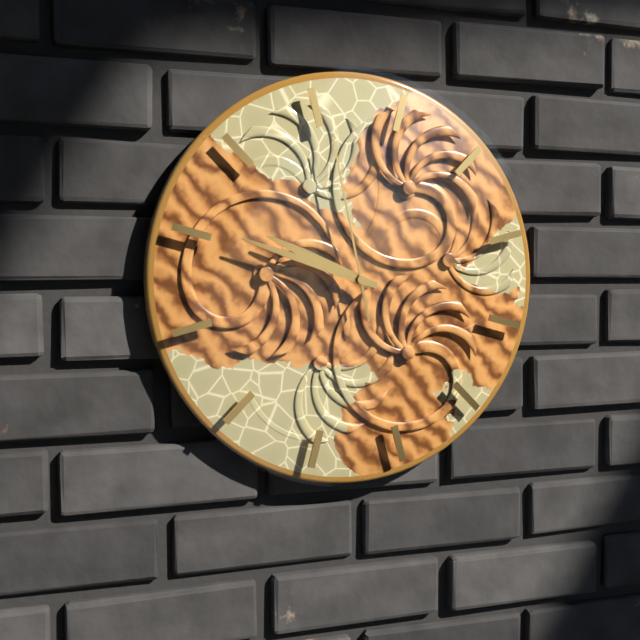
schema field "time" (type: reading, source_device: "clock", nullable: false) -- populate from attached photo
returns 9:48:58
